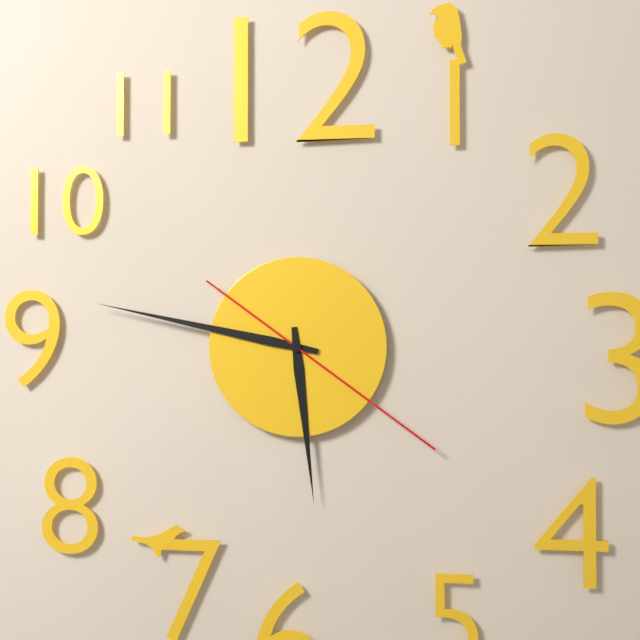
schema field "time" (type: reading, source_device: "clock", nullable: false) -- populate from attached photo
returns 5:47:21
